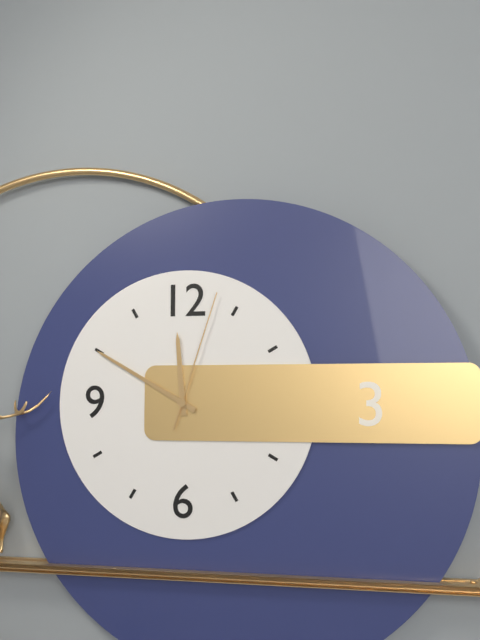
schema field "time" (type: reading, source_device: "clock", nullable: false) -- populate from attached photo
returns 11:50:03
